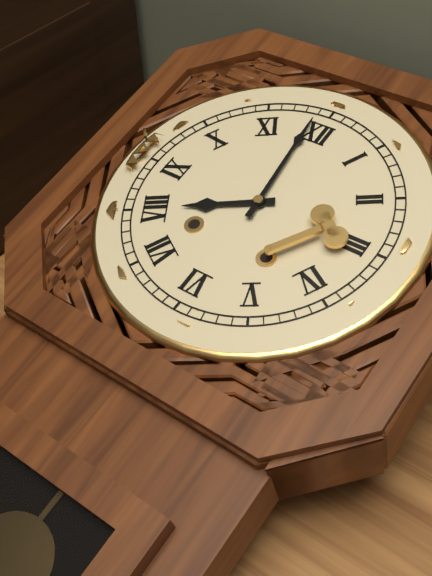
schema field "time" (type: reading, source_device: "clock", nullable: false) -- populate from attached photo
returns 7:59
